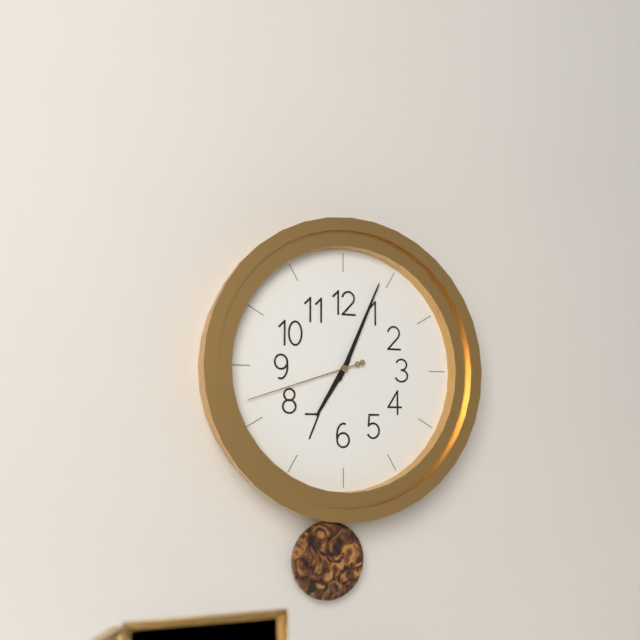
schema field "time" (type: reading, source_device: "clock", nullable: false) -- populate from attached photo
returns 7:04:42
